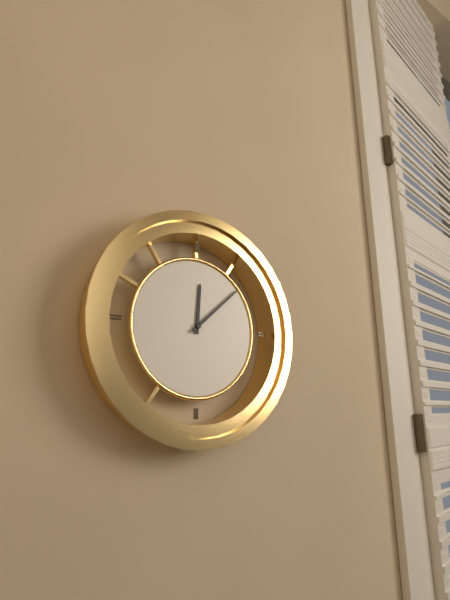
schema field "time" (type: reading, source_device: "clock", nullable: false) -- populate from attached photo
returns 12:08
